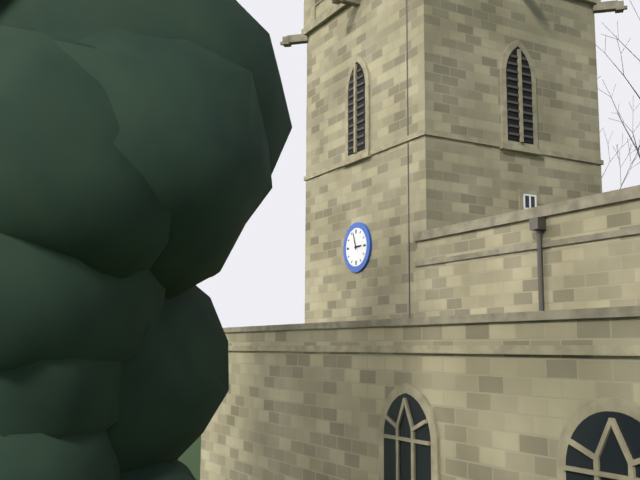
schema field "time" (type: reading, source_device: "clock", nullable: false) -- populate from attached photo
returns 2:57
